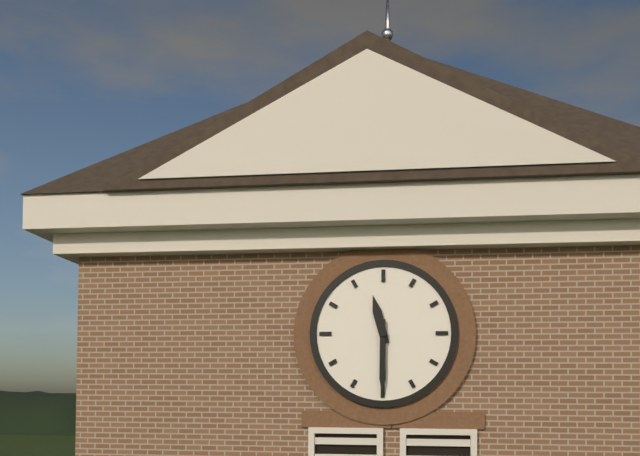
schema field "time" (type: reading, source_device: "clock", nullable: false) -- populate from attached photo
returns 11:30
